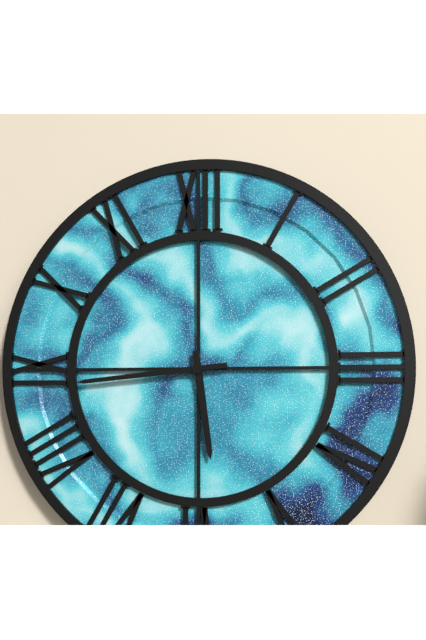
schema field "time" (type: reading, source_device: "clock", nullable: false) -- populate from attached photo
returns 5:44
